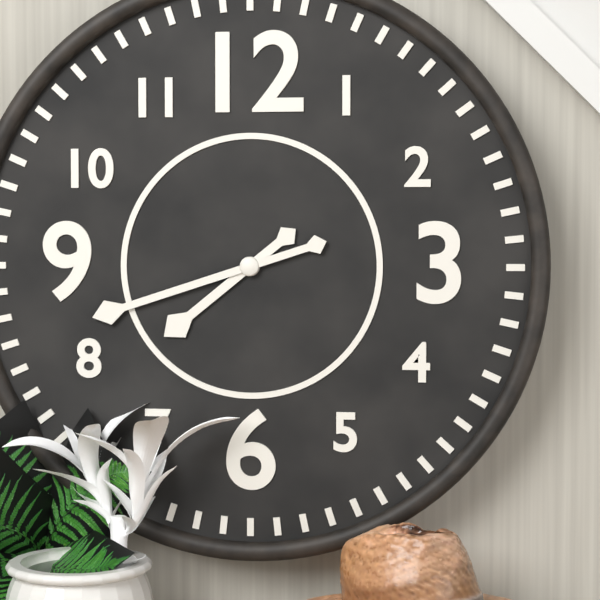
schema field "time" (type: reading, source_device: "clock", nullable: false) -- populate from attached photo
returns 7:42
